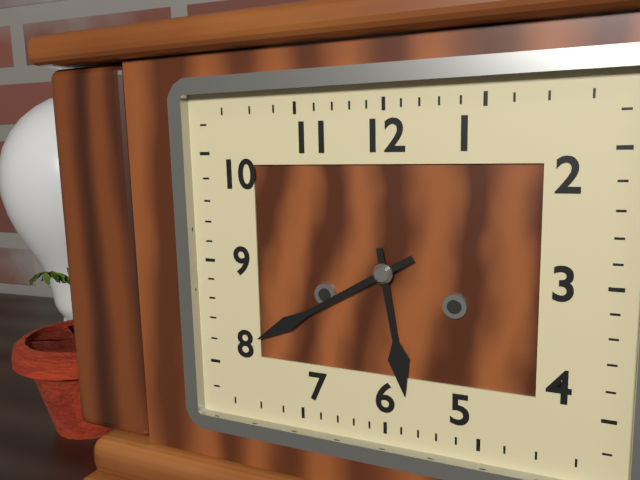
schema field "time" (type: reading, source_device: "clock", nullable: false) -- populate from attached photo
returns 5:40
